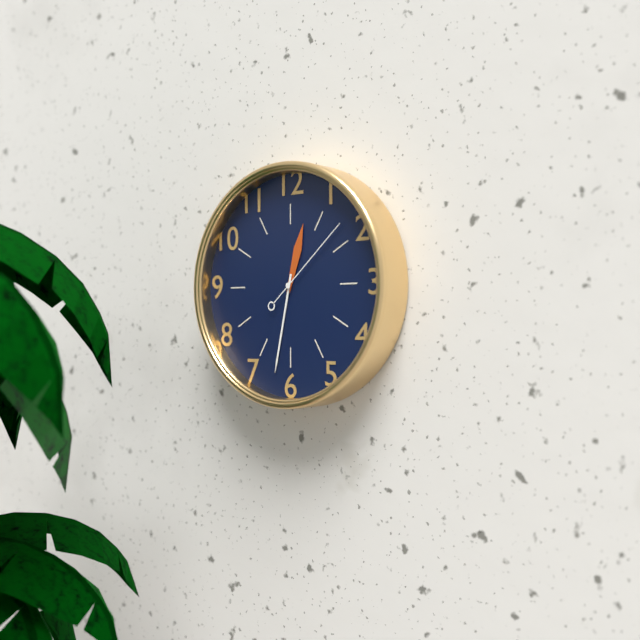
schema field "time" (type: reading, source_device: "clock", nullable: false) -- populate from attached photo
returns 12:32:08
